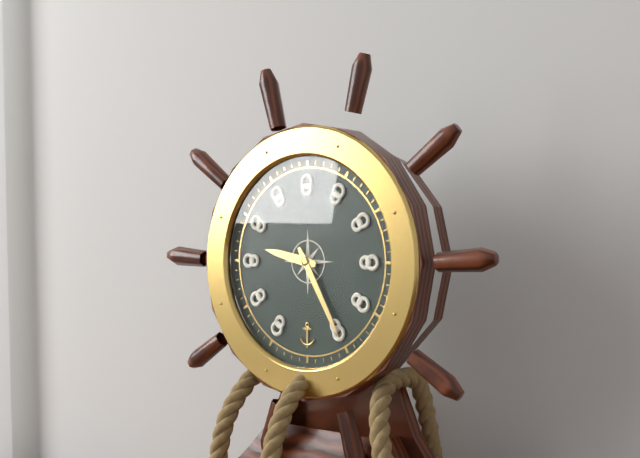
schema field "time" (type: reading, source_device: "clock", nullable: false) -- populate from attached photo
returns 9:25
